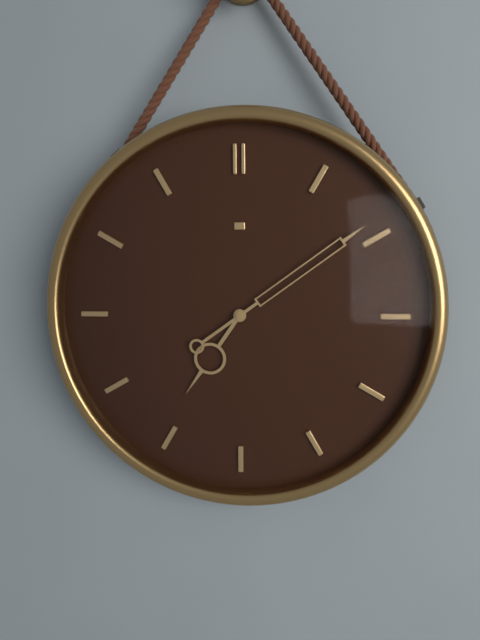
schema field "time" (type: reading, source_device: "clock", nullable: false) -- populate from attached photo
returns 7:09
